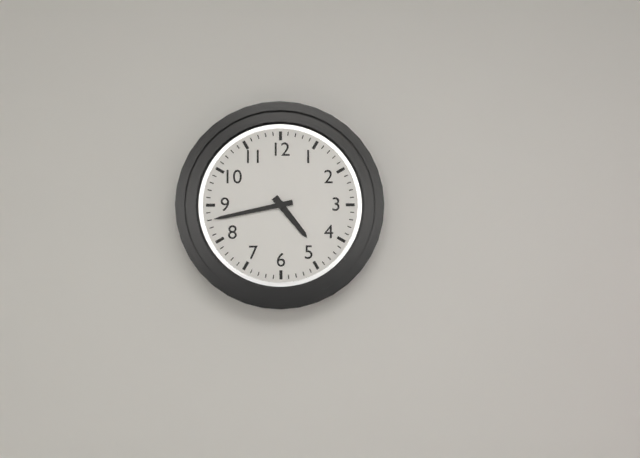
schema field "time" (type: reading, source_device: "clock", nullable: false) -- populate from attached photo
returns 4:43
